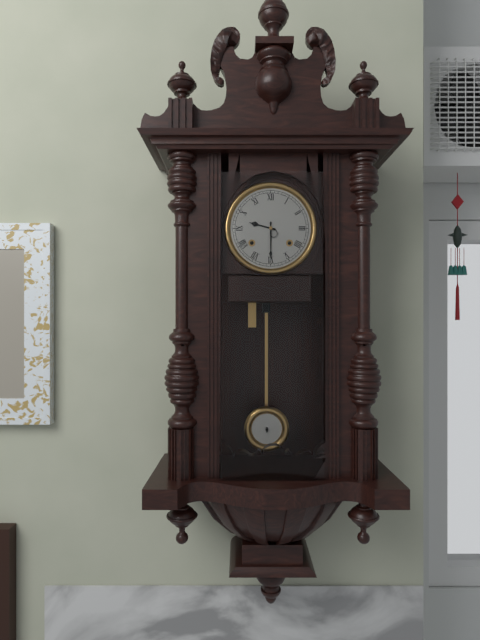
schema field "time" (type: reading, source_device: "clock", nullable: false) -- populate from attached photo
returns 9:30
